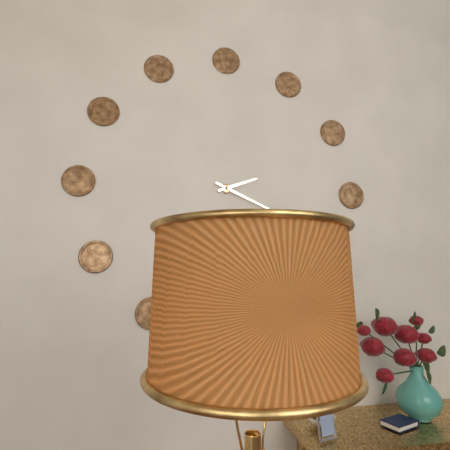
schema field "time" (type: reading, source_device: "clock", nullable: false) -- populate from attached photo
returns 2:19
